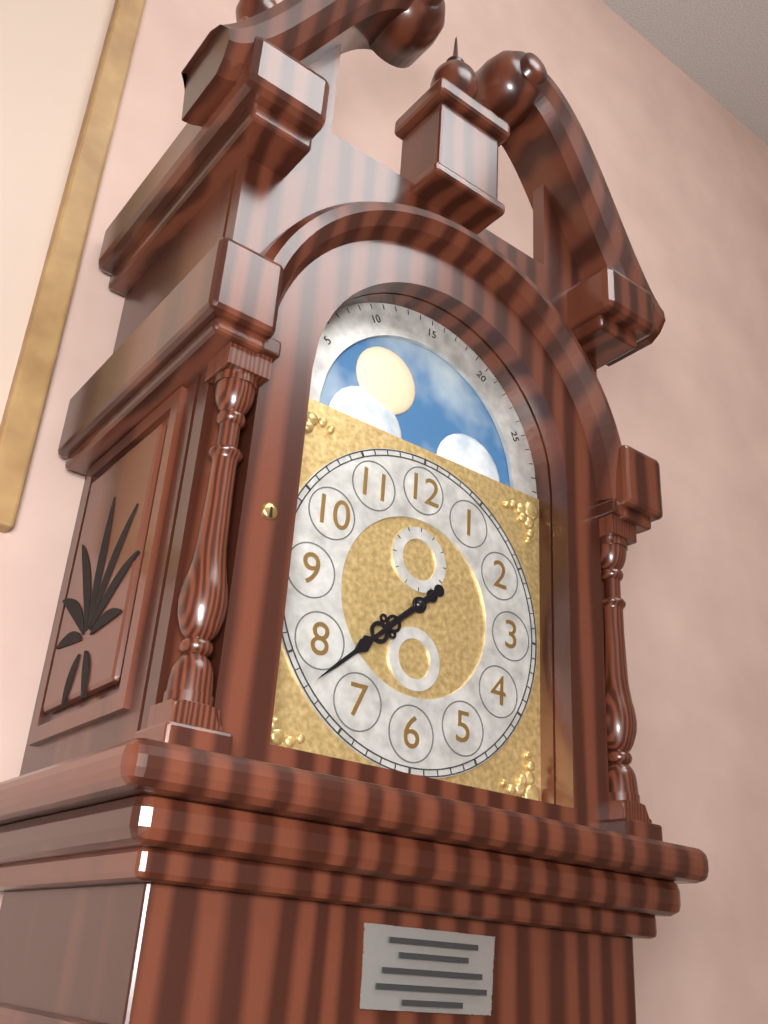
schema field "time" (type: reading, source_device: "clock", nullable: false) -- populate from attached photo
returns 7:38
